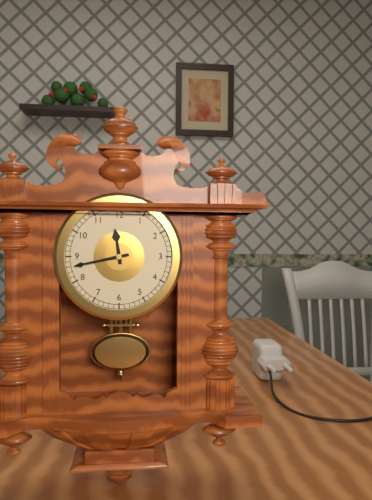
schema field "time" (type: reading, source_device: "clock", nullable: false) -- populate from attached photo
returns 11:43
